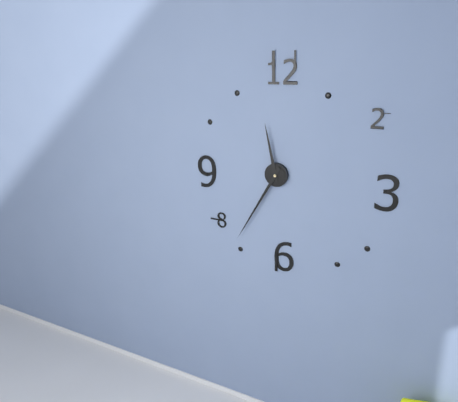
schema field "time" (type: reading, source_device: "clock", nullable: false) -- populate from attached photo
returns 11:35
